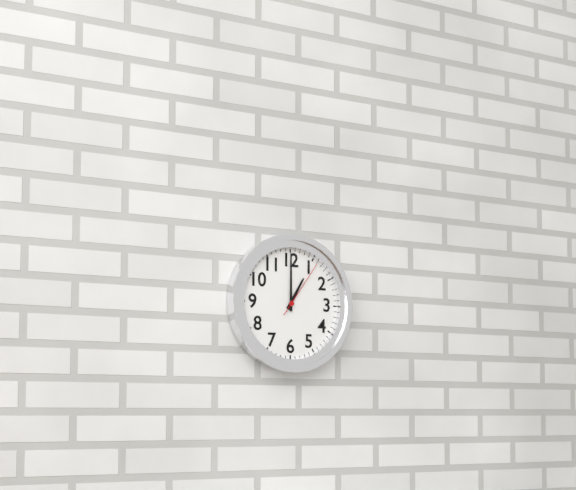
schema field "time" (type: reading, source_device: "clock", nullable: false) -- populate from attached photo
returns 1:00:06
